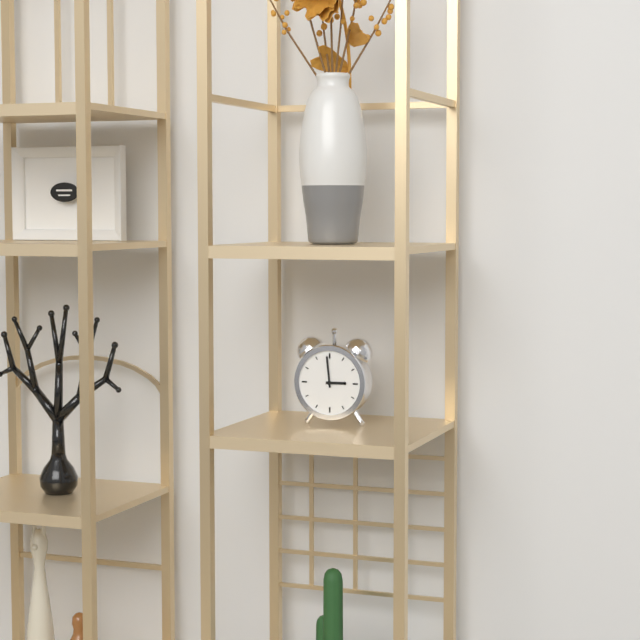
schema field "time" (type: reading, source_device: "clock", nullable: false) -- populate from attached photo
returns 2:59
